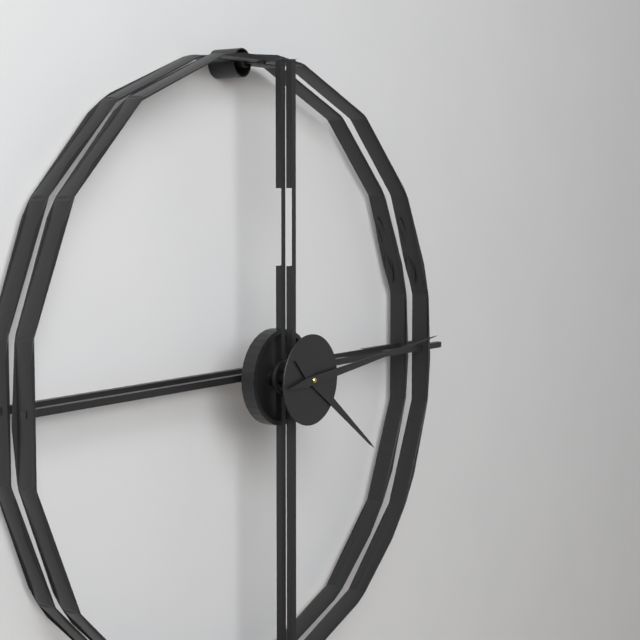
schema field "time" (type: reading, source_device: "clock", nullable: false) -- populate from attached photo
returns 4:14
